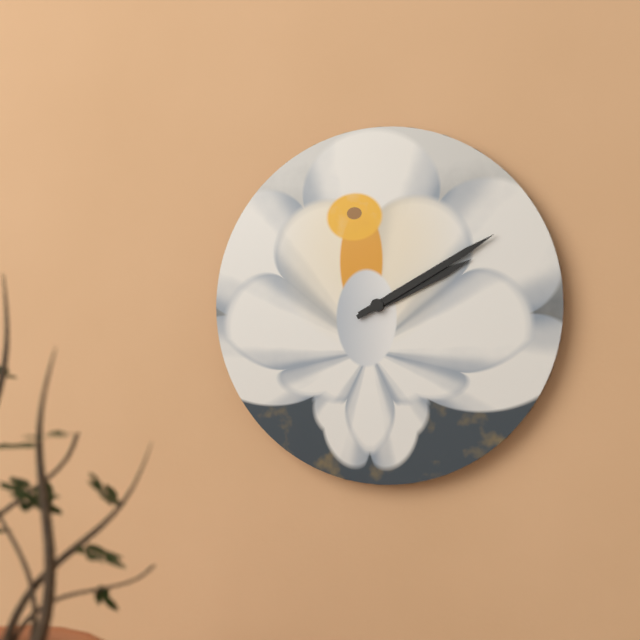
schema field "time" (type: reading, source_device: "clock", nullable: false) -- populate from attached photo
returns 2:10
